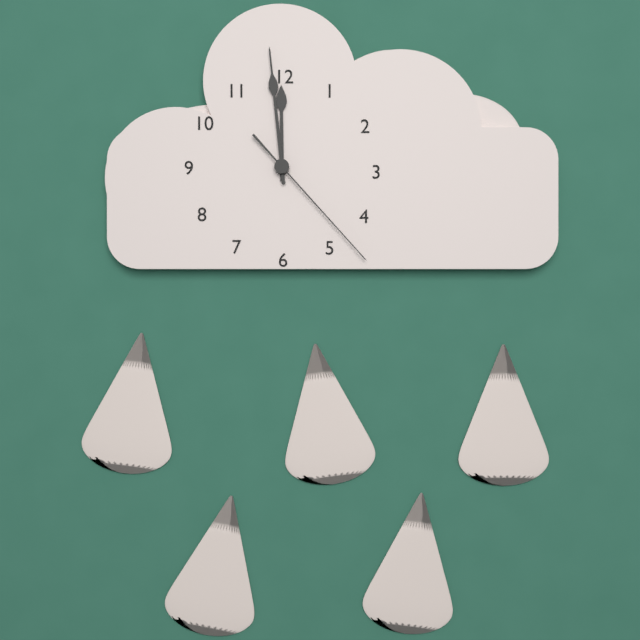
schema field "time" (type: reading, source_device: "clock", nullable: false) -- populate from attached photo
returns 11:59:23
